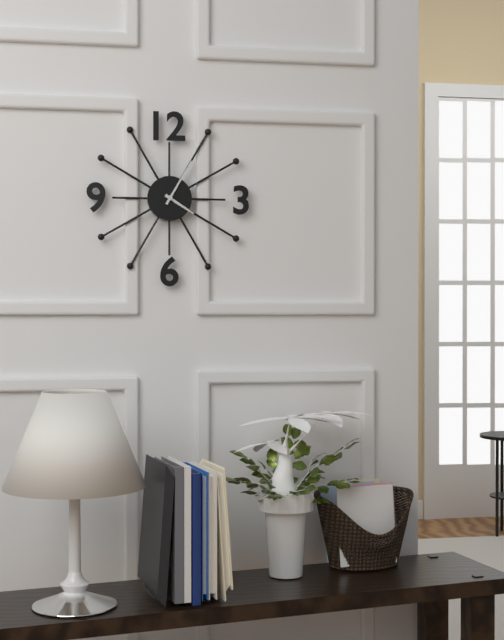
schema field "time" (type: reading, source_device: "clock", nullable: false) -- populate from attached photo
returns 4:05
